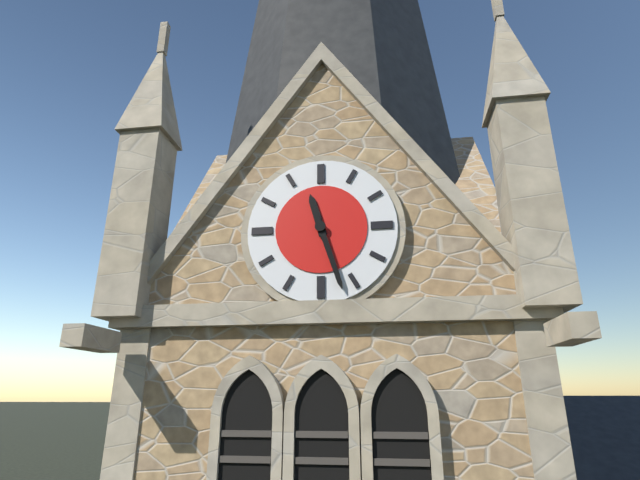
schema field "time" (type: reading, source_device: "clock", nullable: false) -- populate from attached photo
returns 11:27
